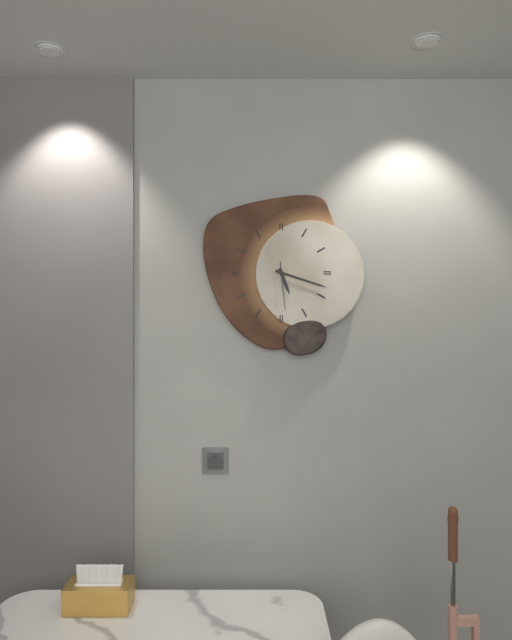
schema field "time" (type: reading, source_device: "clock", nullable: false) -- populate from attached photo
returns 5:18
